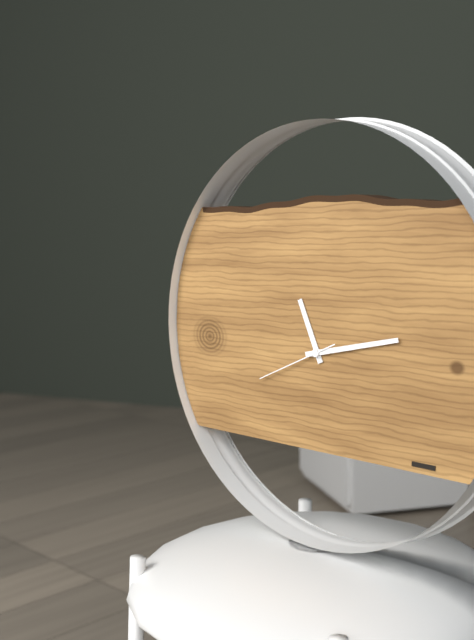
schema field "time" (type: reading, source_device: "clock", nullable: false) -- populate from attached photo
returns 11:13:41
